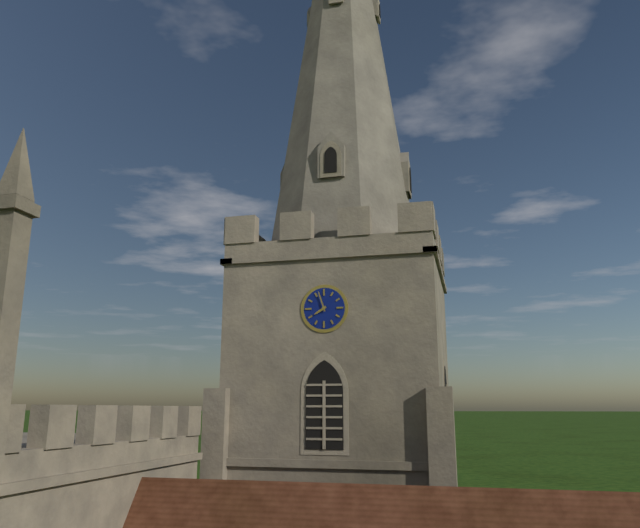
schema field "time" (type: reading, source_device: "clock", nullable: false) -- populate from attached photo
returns 7:57
